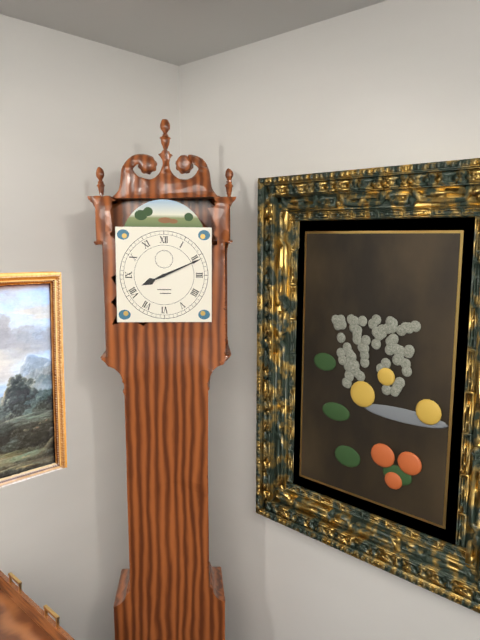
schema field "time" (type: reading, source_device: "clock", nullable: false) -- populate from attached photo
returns 8:11
